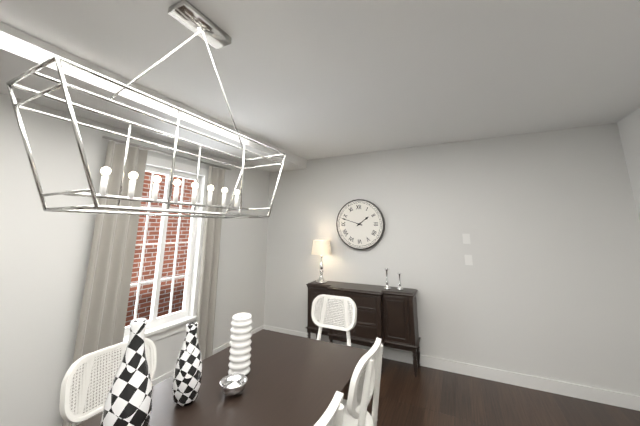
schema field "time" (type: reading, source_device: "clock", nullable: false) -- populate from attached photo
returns 1:48
